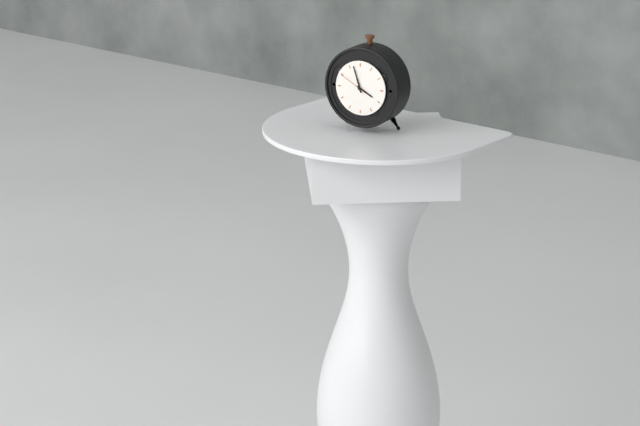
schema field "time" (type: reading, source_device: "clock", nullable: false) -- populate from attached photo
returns 3:57
